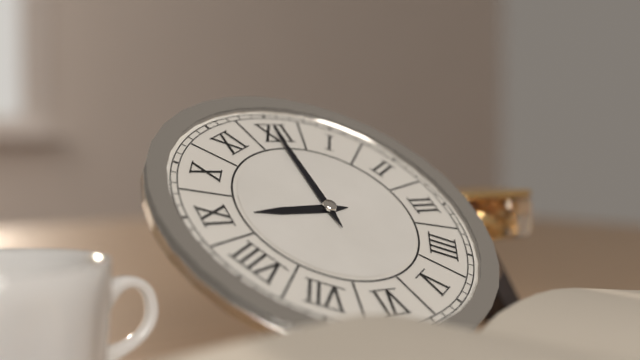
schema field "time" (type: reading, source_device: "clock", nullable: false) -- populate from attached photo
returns 9:00
